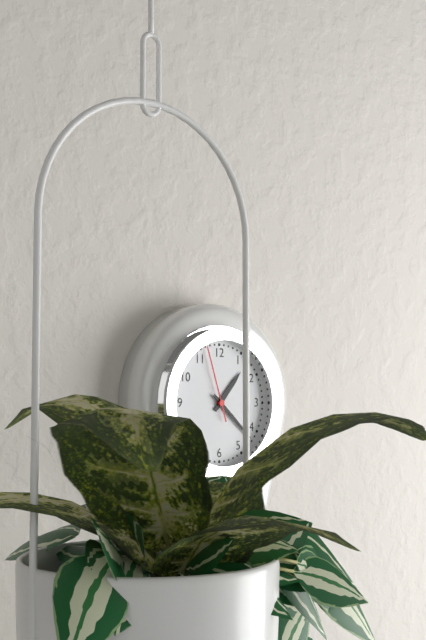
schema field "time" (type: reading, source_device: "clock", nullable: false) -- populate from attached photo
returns 1:22:57
